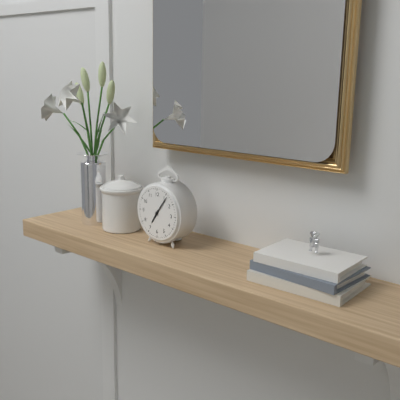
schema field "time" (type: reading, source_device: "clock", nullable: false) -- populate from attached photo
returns 7:06
